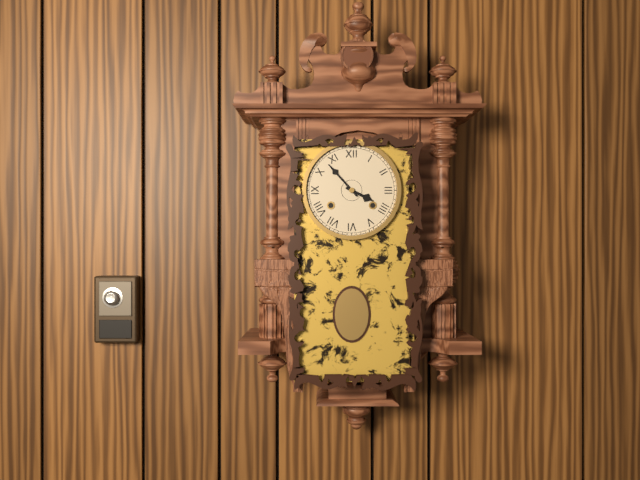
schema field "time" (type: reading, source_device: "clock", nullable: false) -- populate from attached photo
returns 3:53
